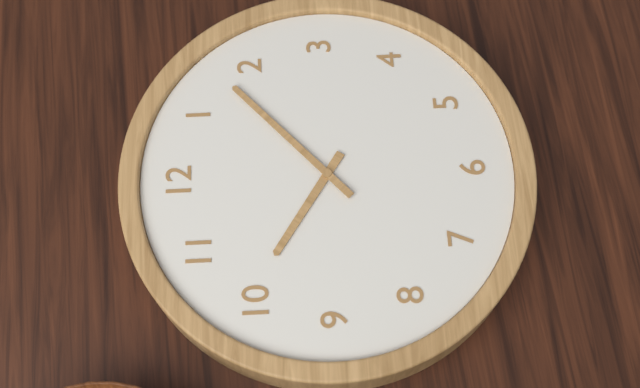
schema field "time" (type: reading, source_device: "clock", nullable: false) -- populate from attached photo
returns 10:08
